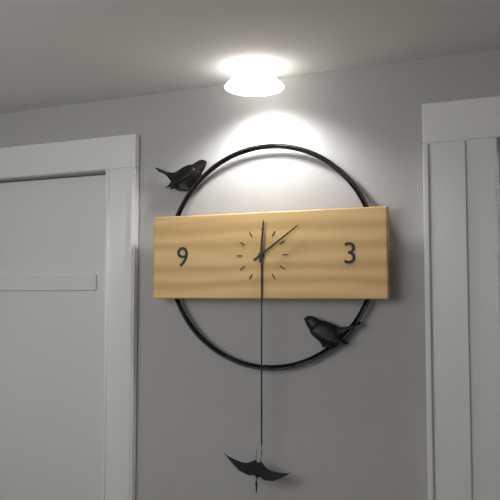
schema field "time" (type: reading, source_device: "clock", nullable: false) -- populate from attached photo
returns 12:09
